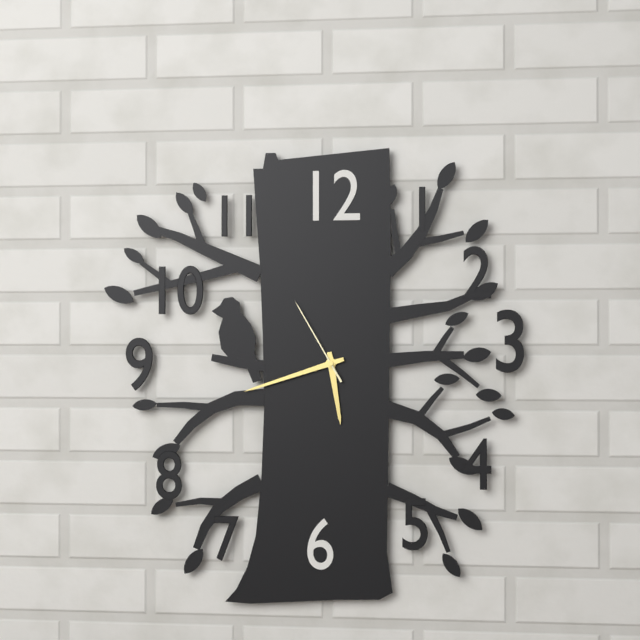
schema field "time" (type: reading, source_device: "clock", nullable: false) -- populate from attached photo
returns 5:42:55
